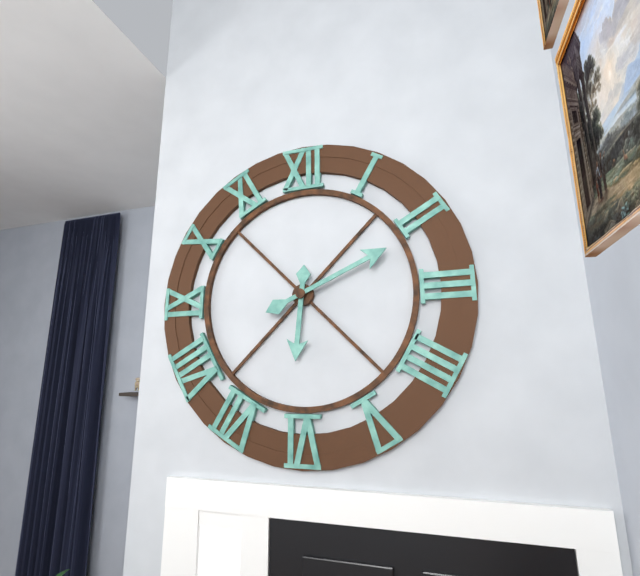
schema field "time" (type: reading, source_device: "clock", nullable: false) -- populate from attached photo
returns 6:11
